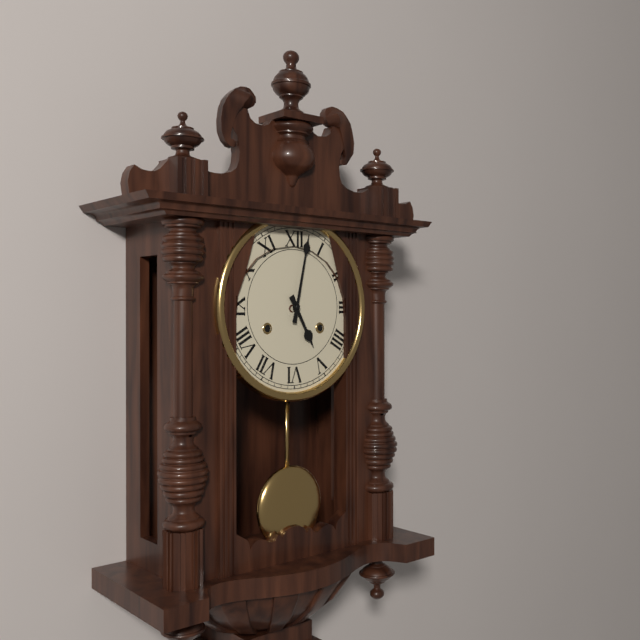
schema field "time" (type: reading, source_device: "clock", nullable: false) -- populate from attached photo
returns 5:02
